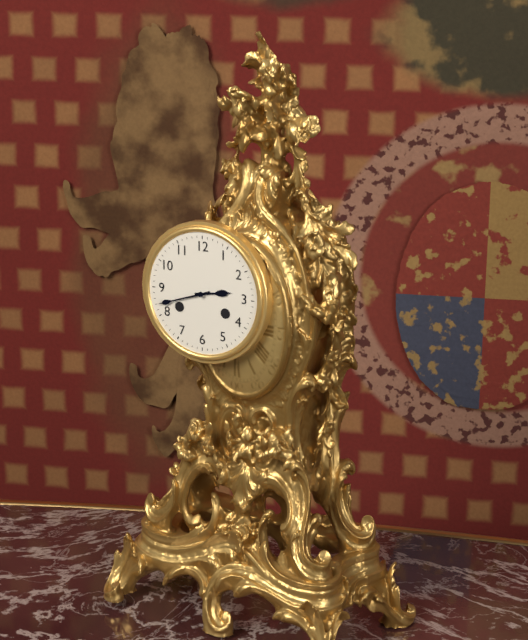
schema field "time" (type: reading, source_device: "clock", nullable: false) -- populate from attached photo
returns 2:42
